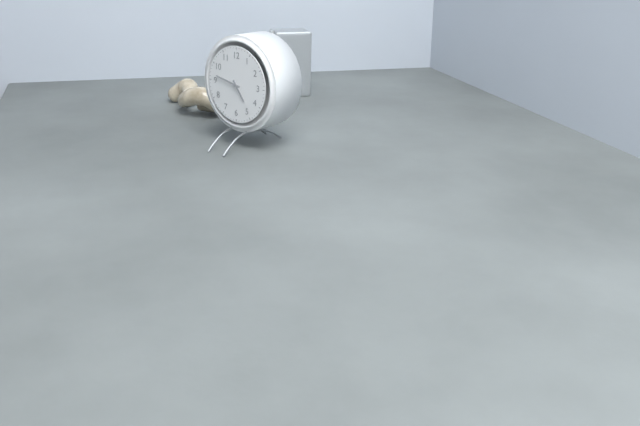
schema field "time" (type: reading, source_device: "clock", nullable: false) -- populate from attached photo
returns 4:47
